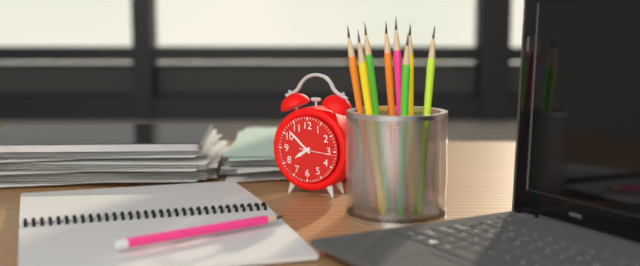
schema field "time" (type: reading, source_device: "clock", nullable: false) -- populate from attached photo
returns 7:52
